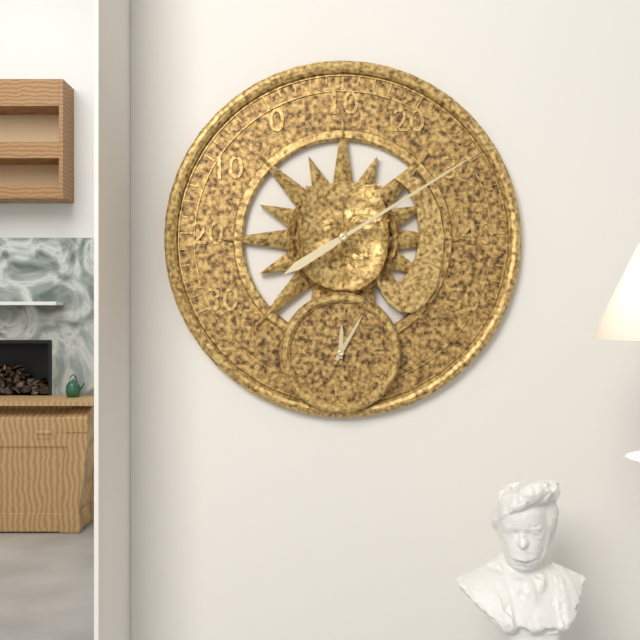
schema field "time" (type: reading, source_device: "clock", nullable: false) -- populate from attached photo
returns 12:05
